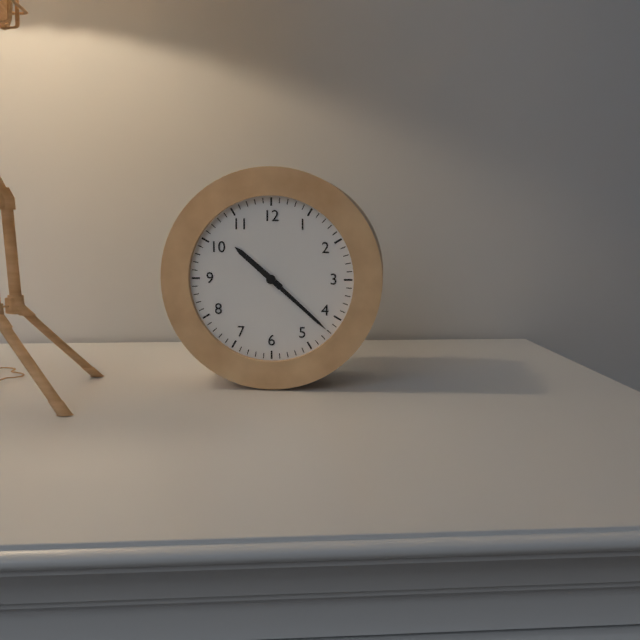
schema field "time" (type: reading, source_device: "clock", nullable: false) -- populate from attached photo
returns 10:22
